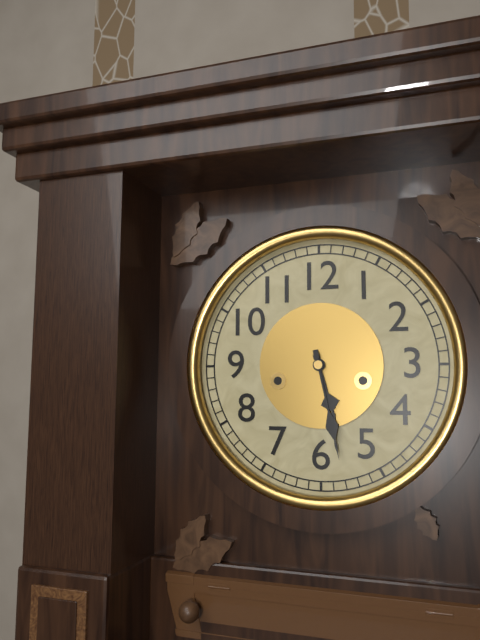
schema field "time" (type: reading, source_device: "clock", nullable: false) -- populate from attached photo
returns 5:28
